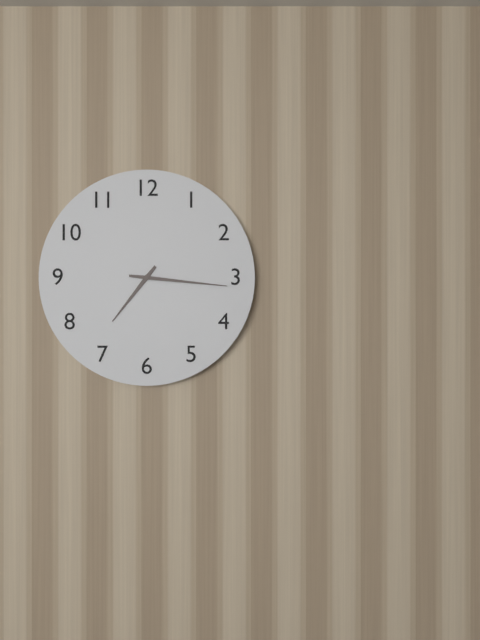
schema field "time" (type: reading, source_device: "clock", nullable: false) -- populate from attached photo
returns 7:16
